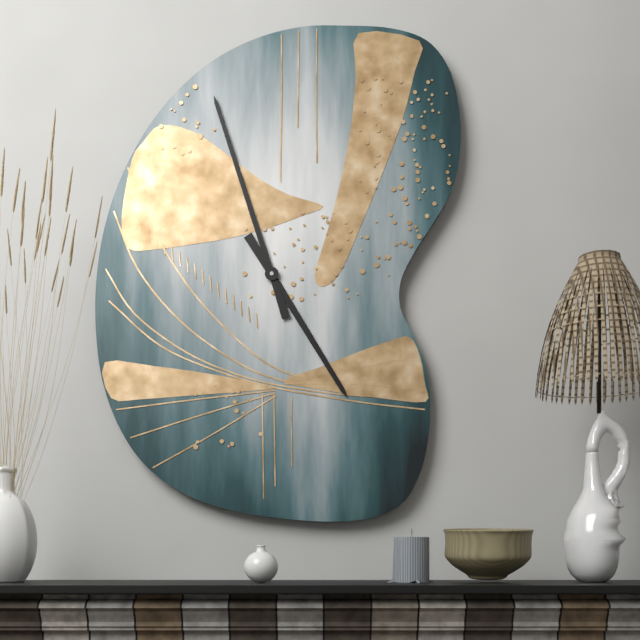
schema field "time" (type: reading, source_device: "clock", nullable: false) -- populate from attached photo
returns 4:57
